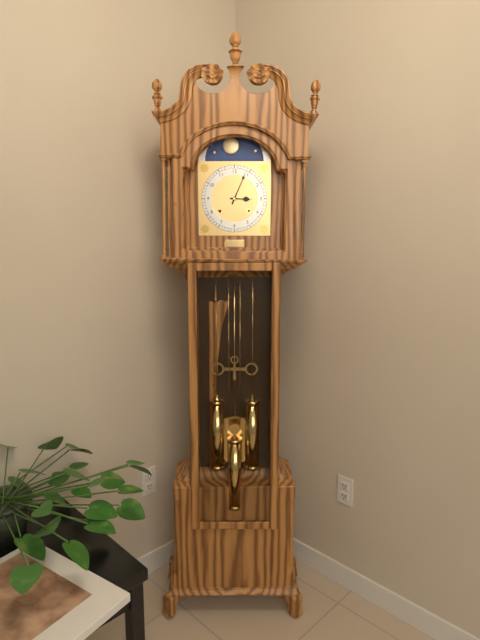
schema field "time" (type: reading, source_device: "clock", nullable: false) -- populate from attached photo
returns 3:04
